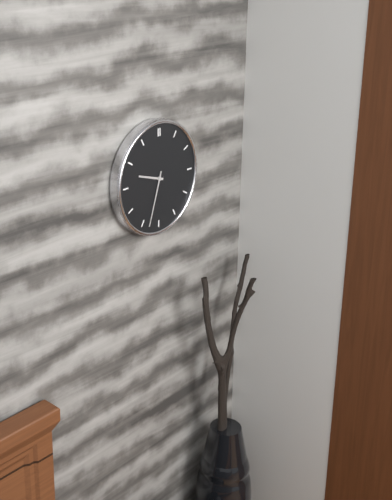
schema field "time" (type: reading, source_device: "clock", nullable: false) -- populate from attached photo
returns 9:33
